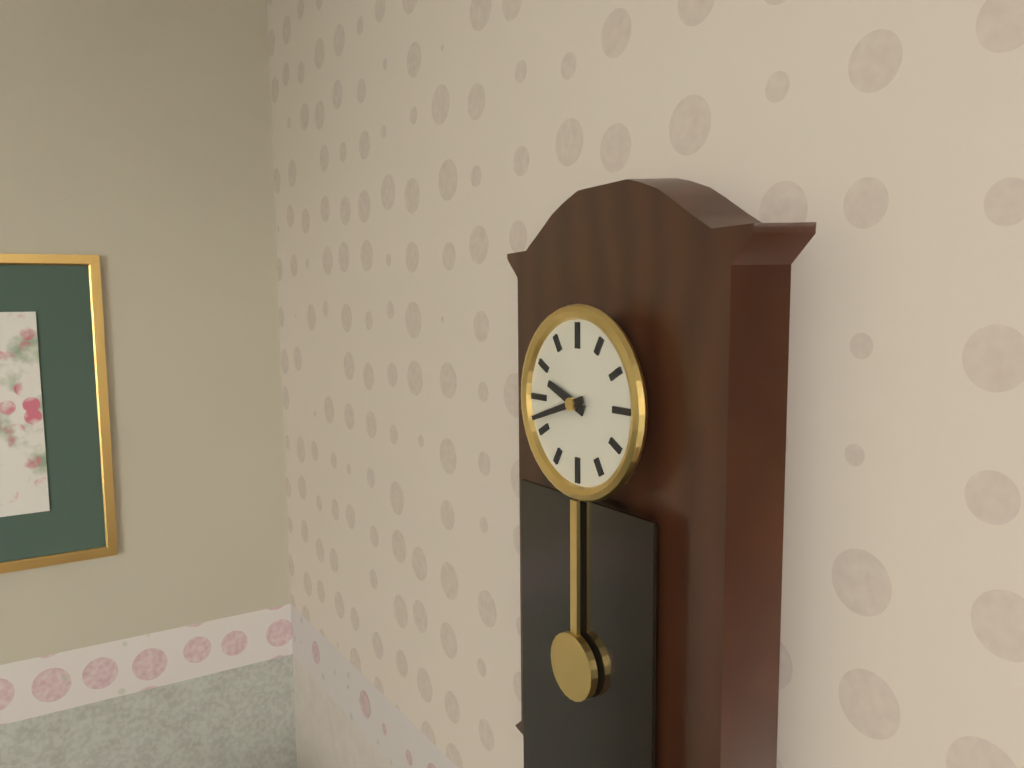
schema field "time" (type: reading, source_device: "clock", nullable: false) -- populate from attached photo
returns 9:42
